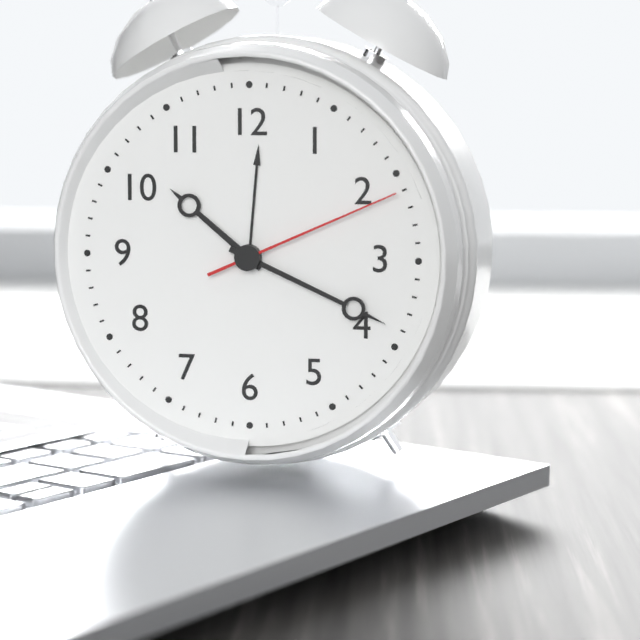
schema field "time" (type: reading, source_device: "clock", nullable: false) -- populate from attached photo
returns 10:19:11
